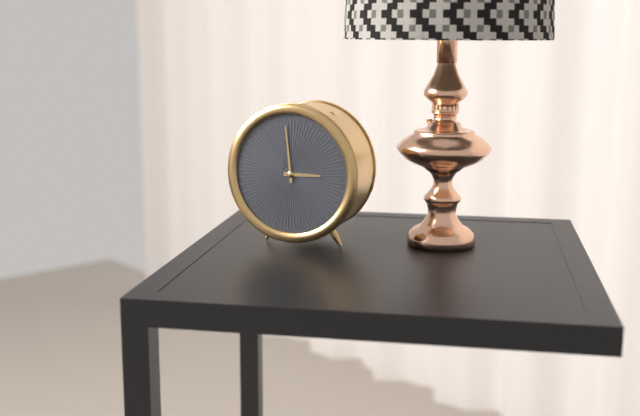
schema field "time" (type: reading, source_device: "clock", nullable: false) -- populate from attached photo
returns 2:59
